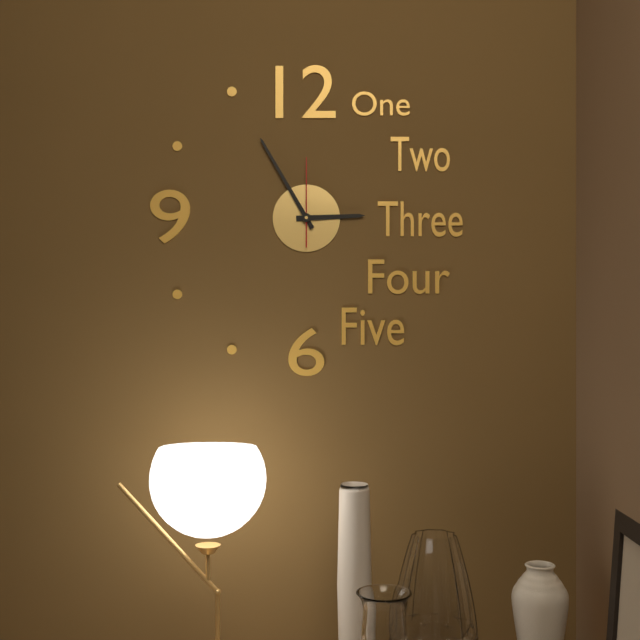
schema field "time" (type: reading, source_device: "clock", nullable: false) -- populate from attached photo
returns 2:55:00
